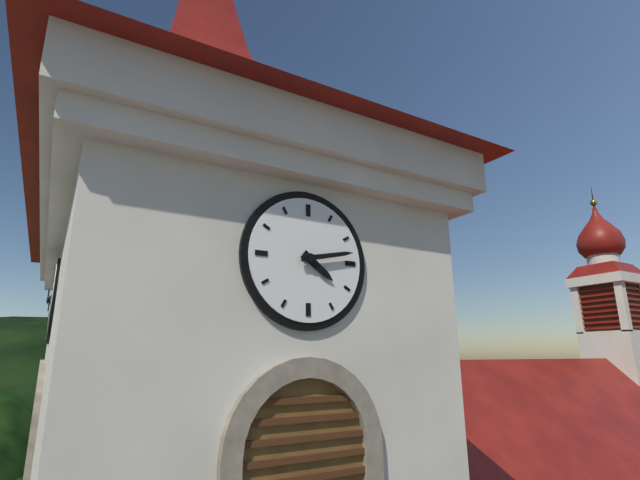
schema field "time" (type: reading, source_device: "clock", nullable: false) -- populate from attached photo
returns 4:13
